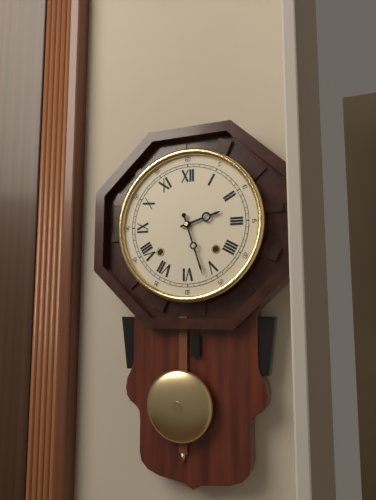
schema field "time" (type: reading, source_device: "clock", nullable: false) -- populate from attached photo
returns 2:27
